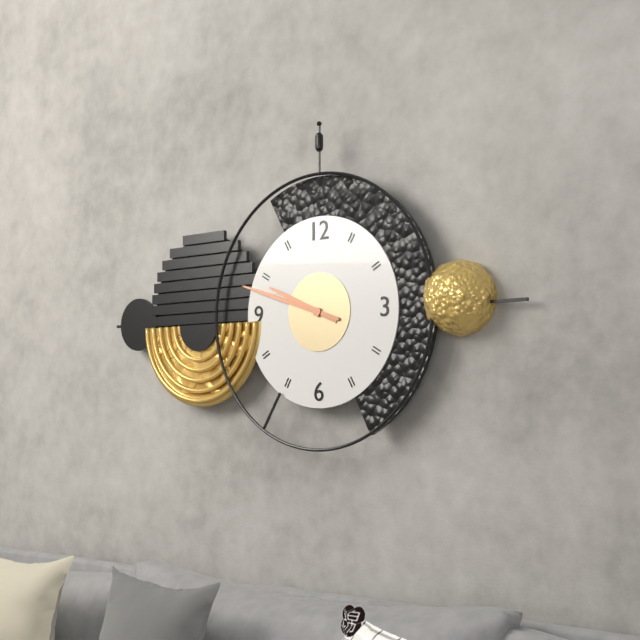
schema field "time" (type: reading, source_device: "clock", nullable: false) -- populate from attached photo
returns 9:48
